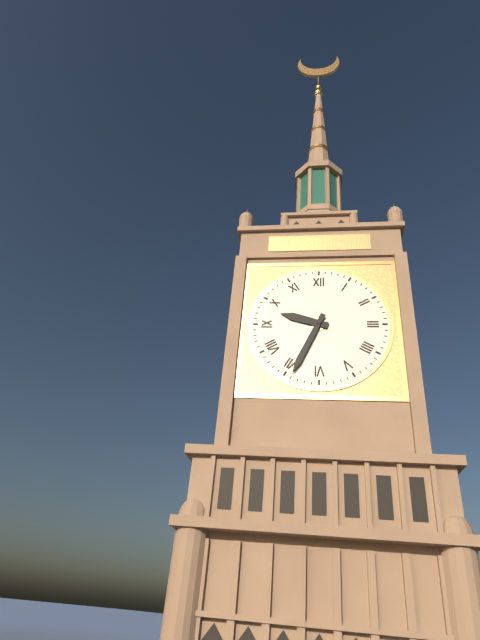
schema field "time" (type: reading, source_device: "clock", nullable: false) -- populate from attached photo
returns 9:34
